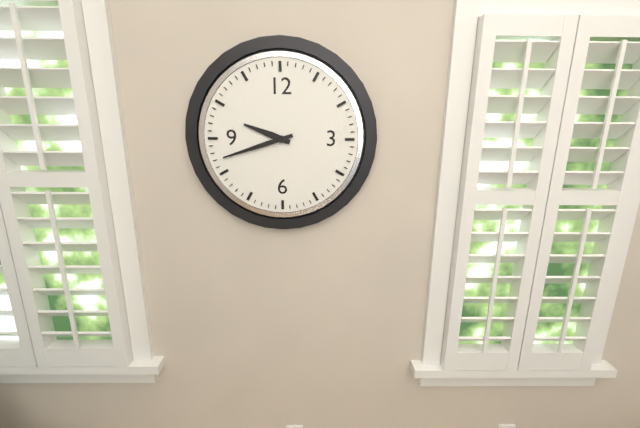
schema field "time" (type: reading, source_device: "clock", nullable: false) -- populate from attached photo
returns 9:42
